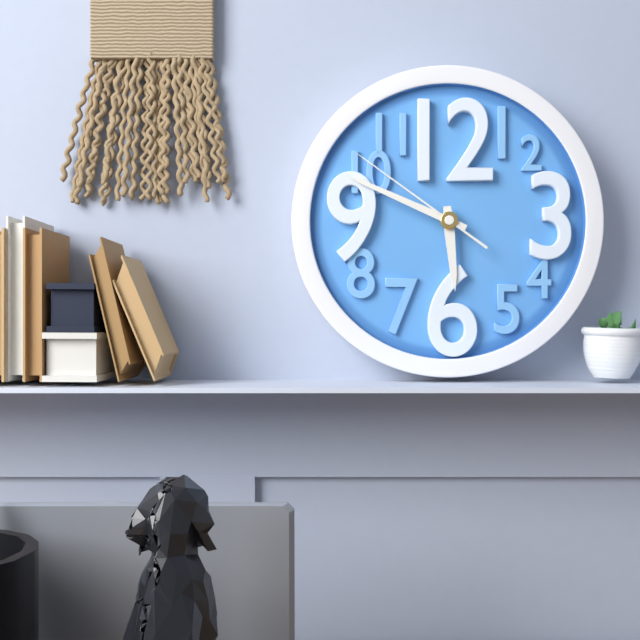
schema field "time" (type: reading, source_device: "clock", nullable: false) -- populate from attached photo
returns 5:49:51
